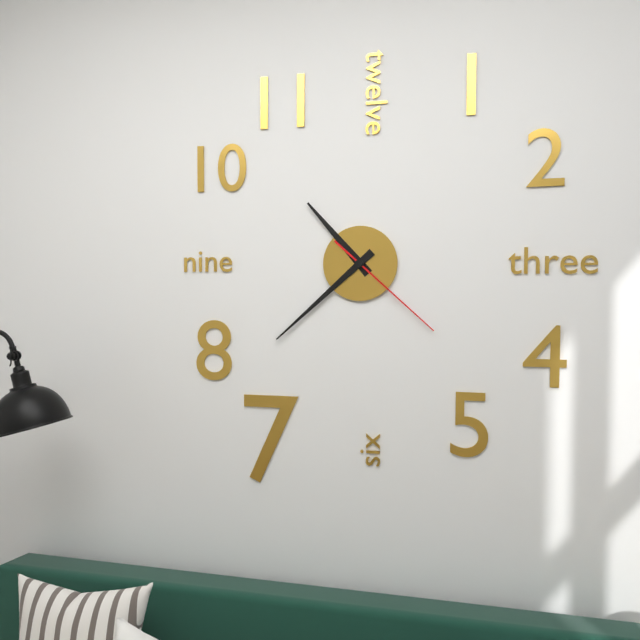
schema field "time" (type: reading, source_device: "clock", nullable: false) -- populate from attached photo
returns 10:38:22
